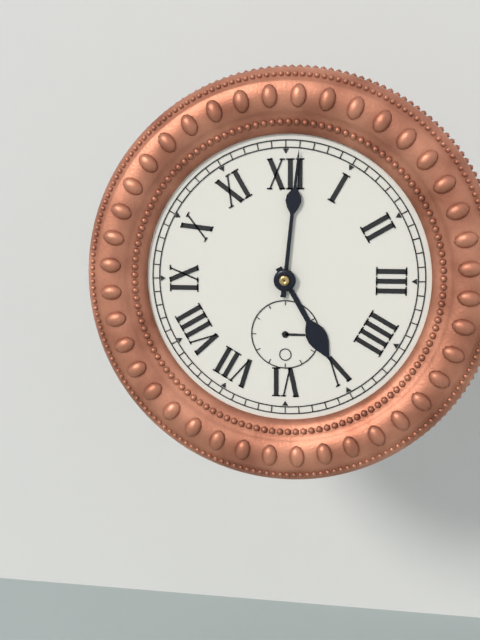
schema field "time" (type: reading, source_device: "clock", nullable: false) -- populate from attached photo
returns 5:01
